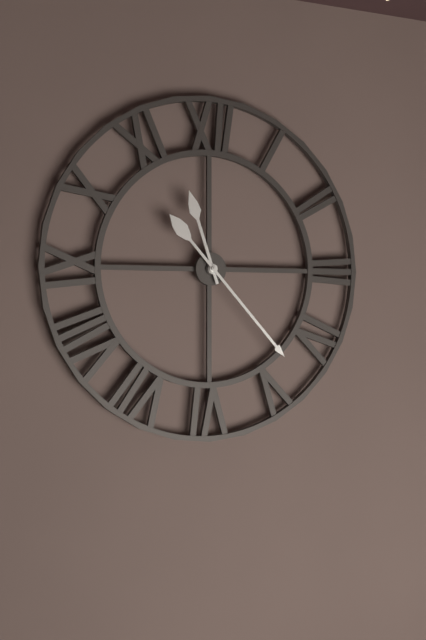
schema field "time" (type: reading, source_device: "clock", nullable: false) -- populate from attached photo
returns 11:23
